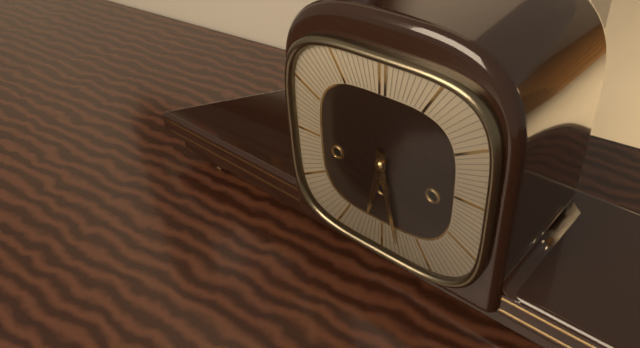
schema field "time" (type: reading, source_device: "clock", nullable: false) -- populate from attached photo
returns 6:28
